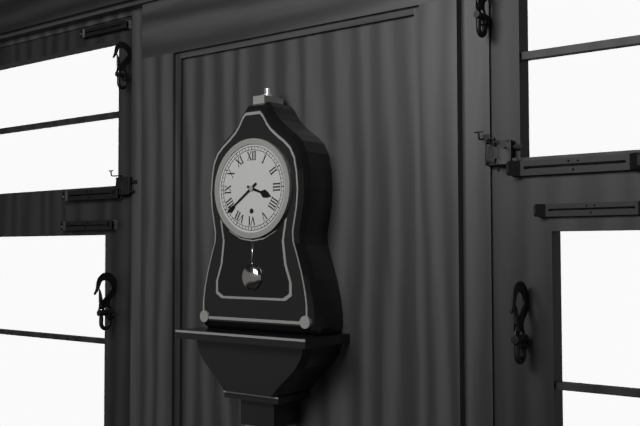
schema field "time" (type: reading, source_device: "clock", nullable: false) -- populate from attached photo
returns 3:39
